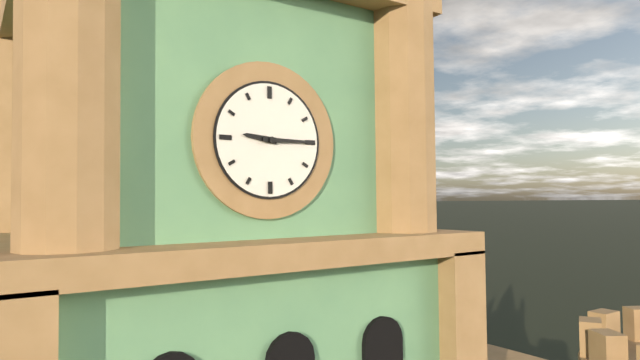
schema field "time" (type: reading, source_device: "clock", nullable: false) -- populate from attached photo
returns 9:15
